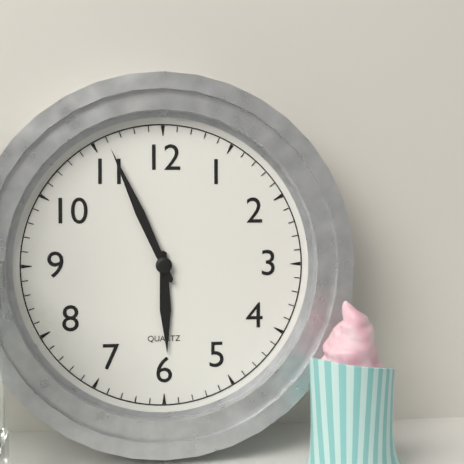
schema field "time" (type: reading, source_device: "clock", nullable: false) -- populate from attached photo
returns 5:56
